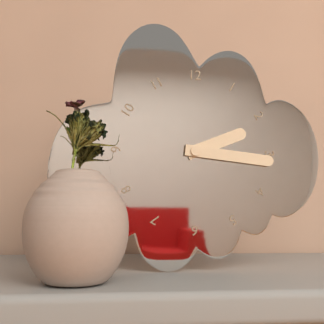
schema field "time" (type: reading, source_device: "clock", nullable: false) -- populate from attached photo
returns 2:16
